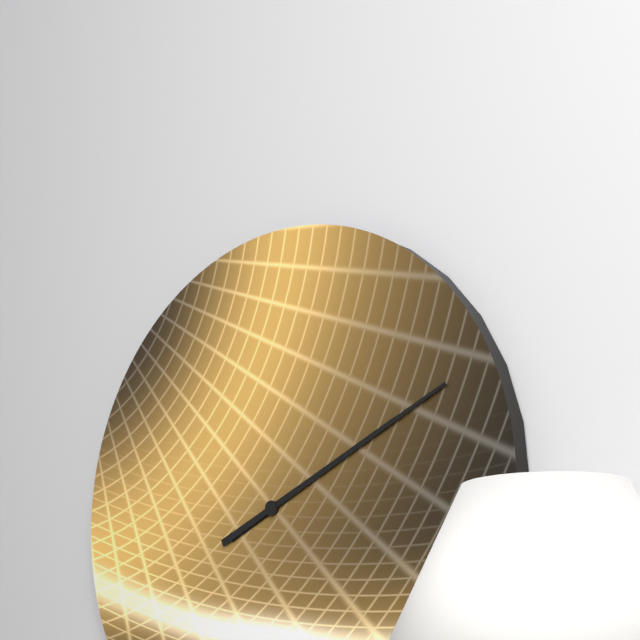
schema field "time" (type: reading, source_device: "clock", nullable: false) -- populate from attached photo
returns 2:11
